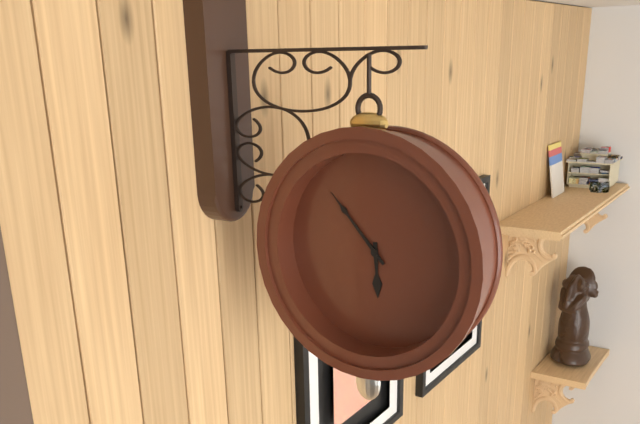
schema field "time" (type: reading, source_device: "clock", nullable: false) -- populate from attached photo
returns 5:53
